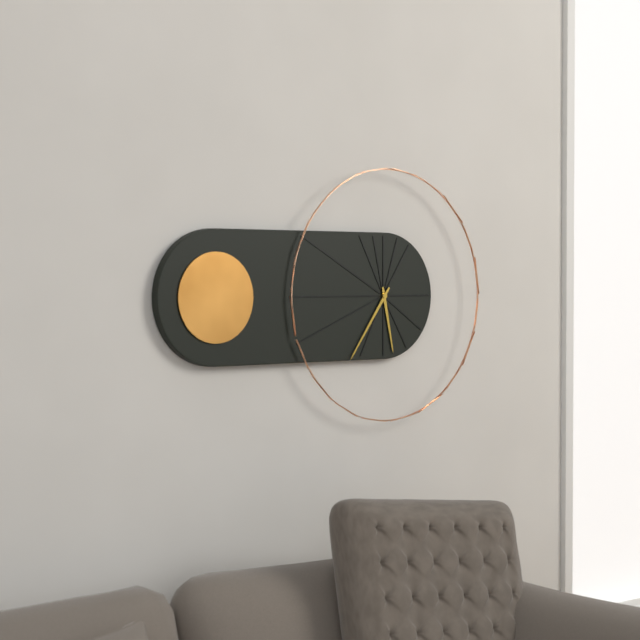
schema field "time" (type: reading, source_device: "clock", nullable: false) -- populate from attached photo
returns 5:36
